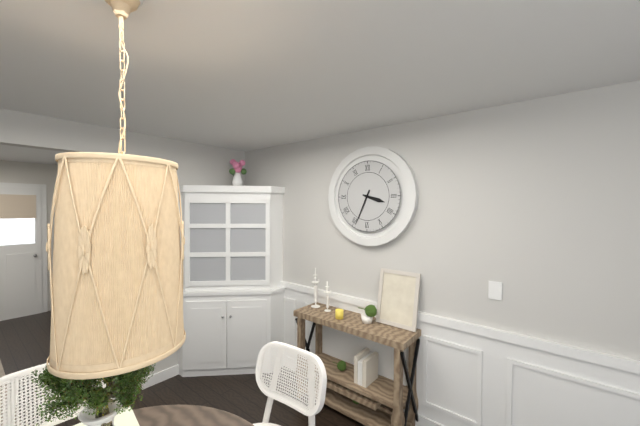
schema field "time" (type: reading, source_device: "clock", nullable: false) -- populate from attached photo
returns 3:34
